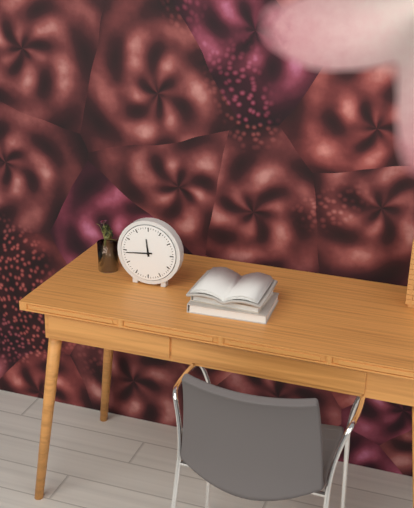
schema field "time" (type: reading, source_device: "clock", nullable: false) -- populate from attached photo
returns 11:44
